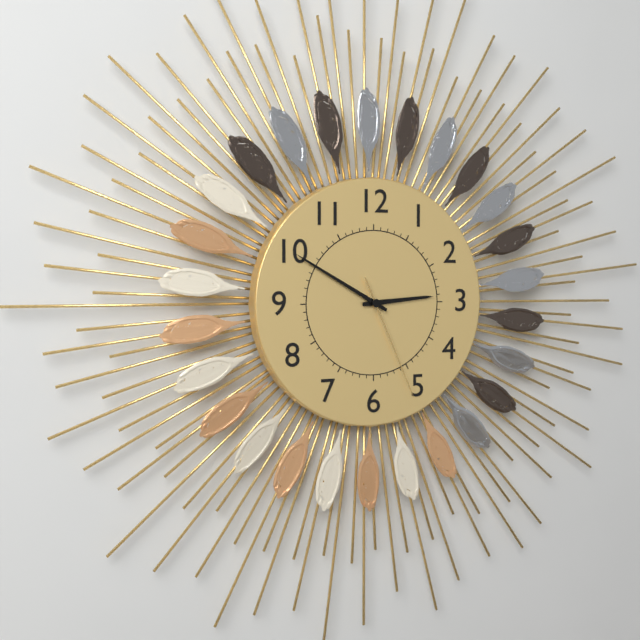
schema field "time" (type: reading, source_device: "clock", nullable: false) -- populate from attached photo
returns 2:50:26
